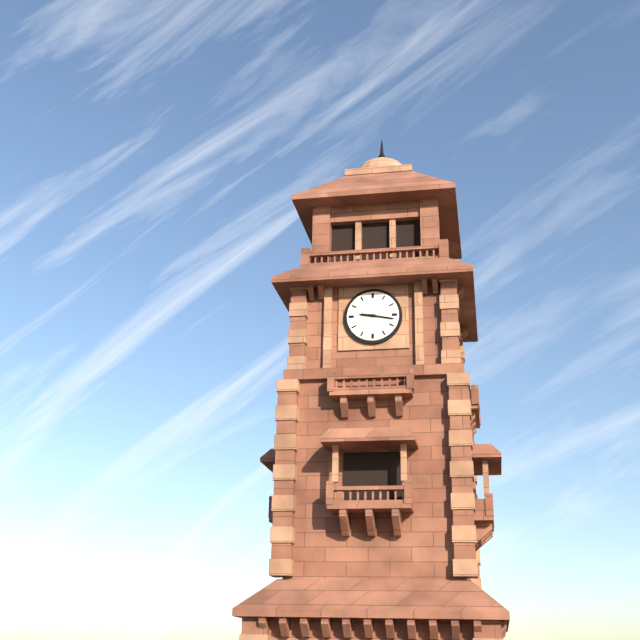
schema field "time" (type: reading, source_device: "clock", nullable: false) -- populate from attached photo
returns 9:17
